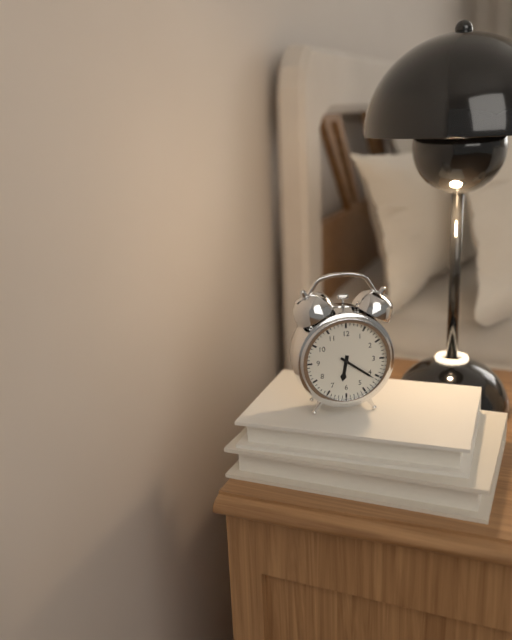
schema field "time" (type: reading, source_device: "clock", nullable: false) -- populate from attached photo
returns 6:21
